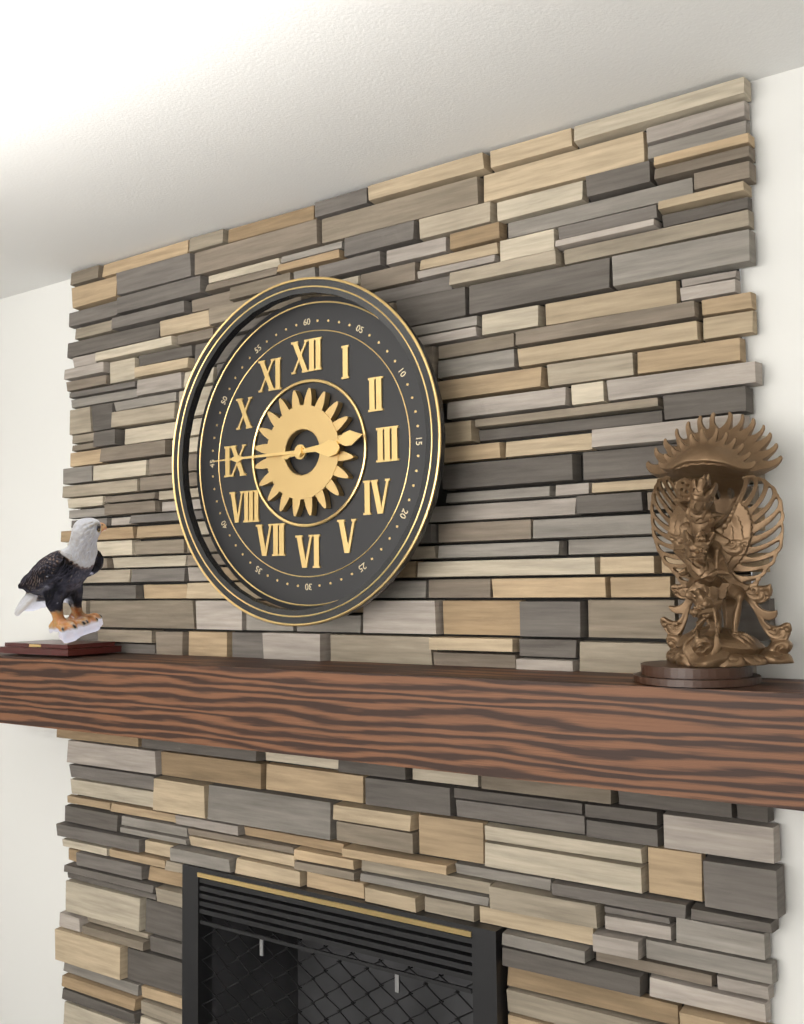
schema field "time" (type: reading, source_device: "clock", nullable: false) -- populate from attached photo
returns 2:45
